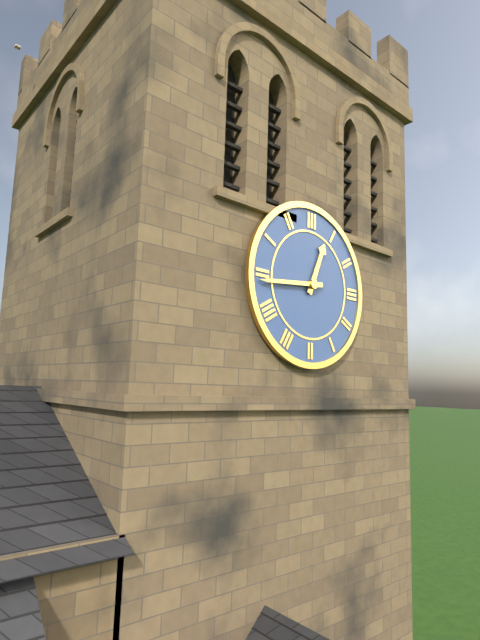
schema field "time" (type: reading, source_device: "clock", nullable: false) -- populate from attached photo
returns 12:44
